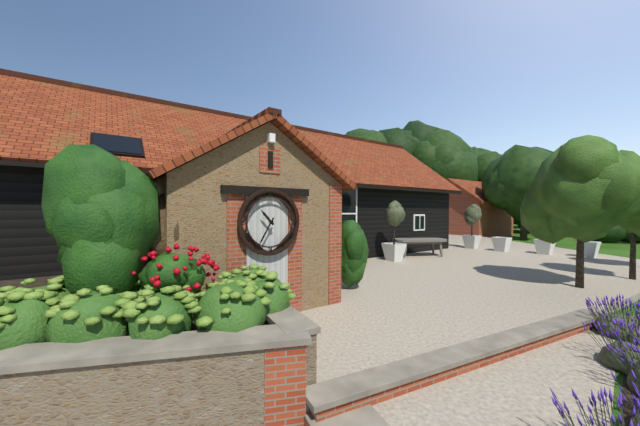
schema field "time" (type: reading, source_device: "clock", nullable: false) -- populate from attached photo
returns 10:35
